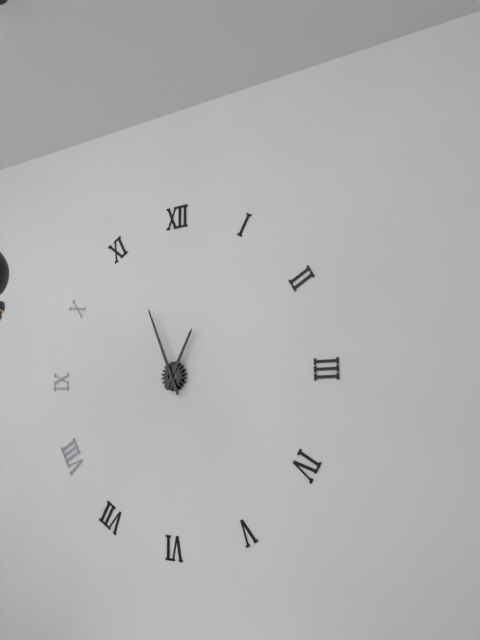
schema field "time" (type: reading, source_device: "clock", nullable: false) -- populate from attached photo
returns 12:56
